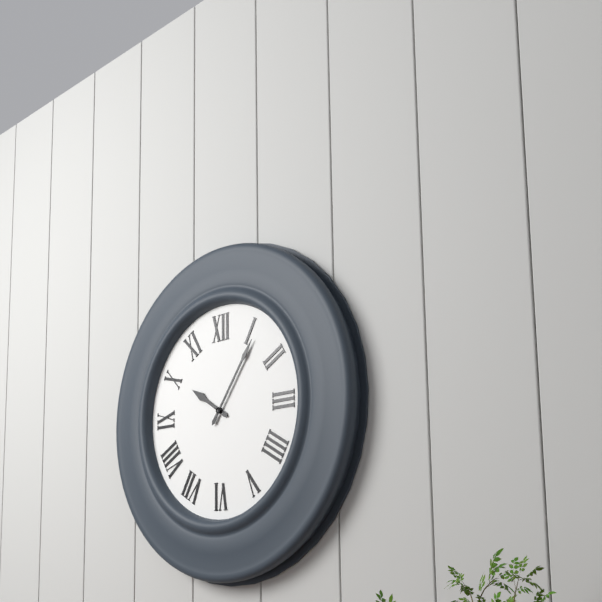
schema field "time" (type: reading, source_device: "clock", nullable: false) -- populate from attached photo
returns 10:06
